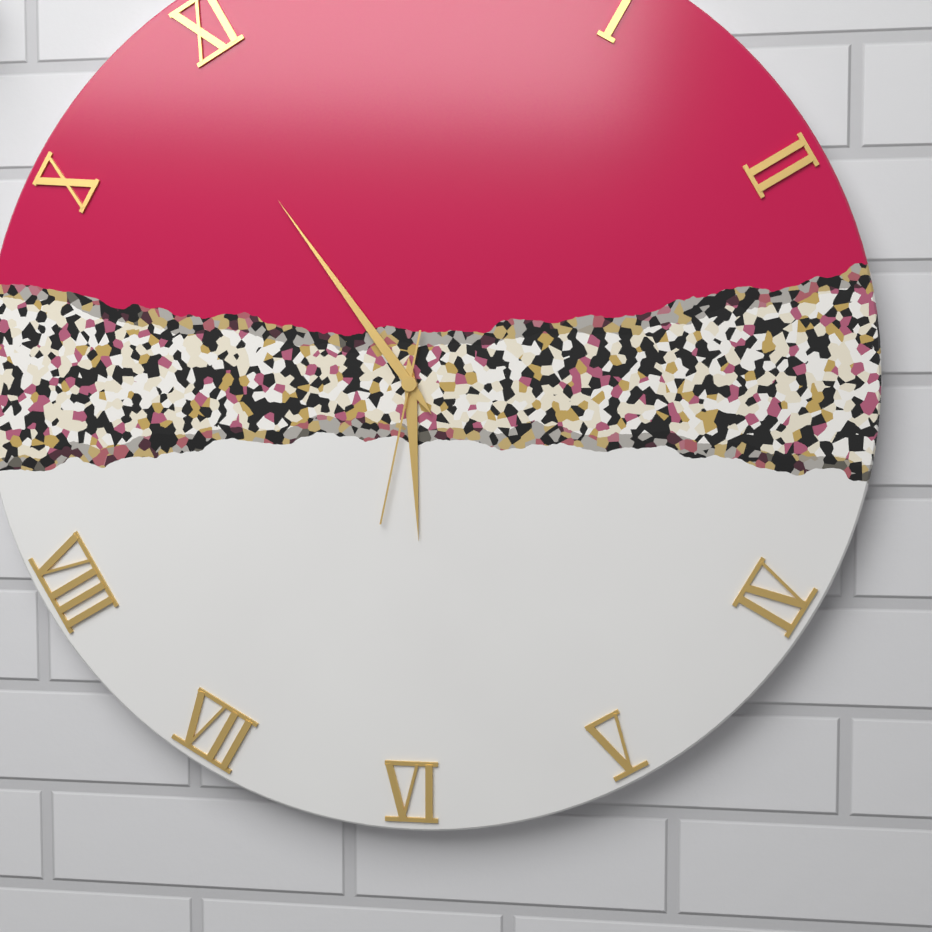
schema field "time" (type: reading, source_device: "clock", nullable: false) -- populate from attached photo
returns 5:54:32
